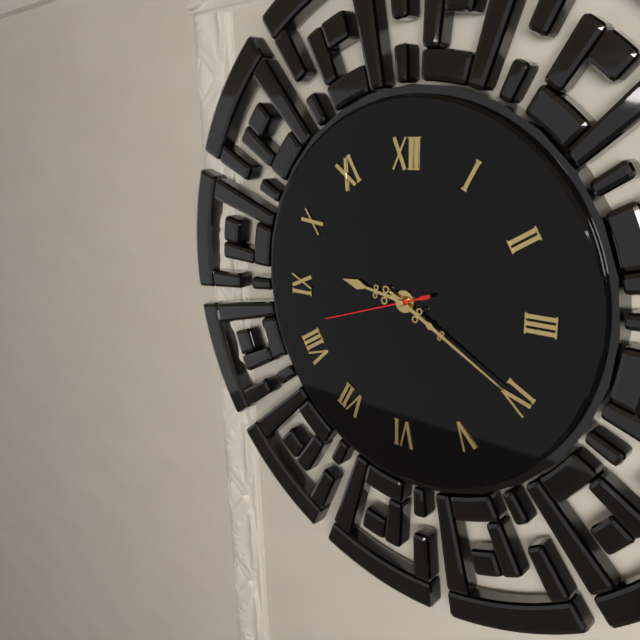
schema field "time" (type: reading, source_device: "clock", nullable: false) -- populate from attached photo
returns 9:20:42
